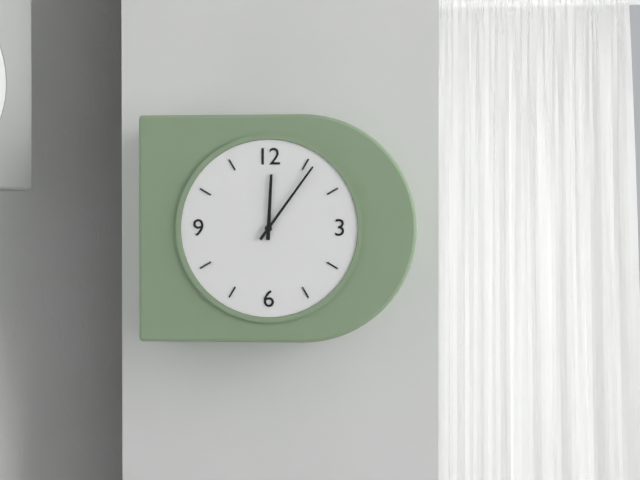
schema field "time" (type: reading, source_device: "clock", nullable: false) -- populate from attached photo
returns 12:06
